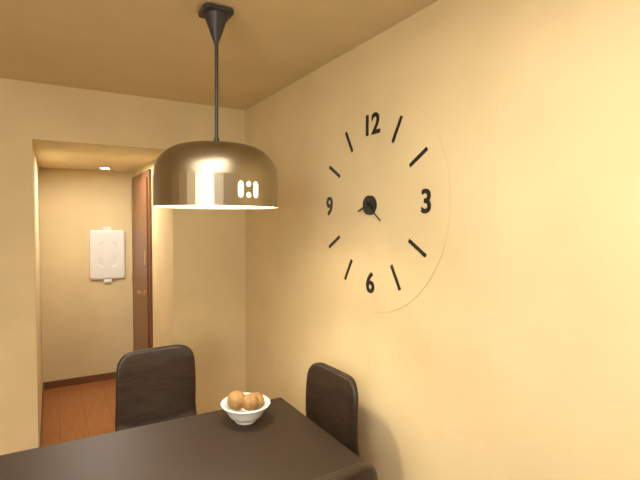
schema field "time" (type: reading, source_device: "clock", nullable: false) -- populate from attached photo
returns 8:21
